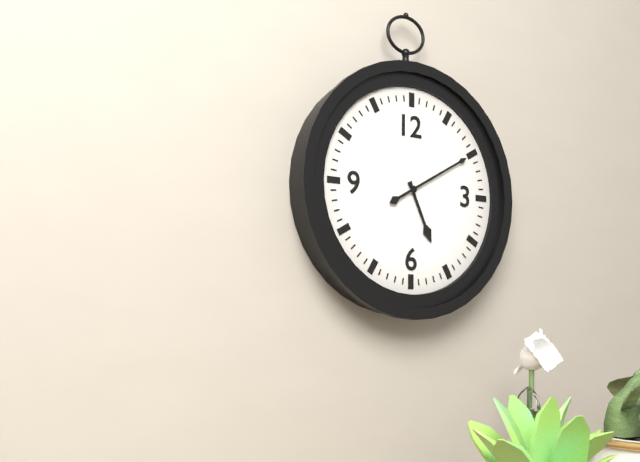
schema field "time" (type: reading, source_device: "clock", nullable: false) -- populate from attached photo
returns 5:10
